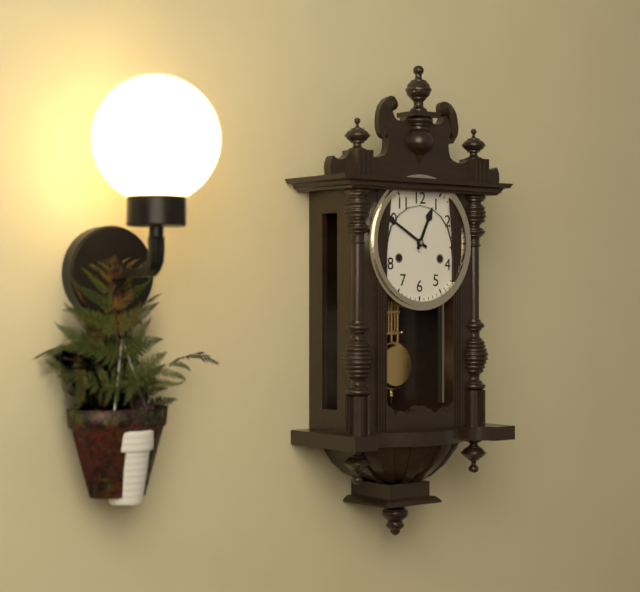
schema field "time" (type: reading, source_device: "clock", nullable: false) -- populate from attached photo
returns 12:50
